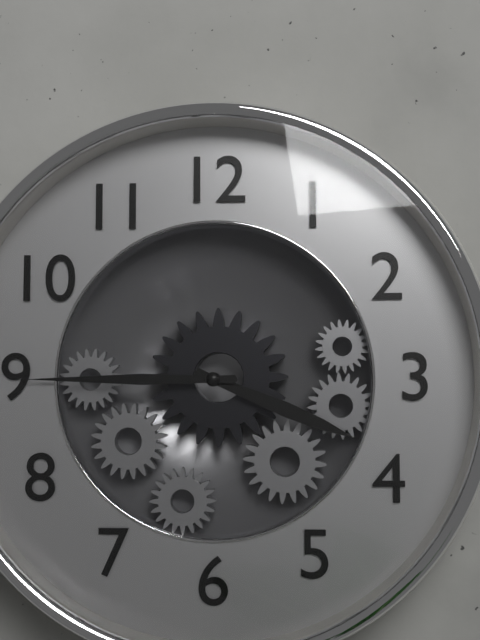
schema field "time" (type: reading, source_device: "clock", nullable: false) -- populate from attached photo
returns 3:45
